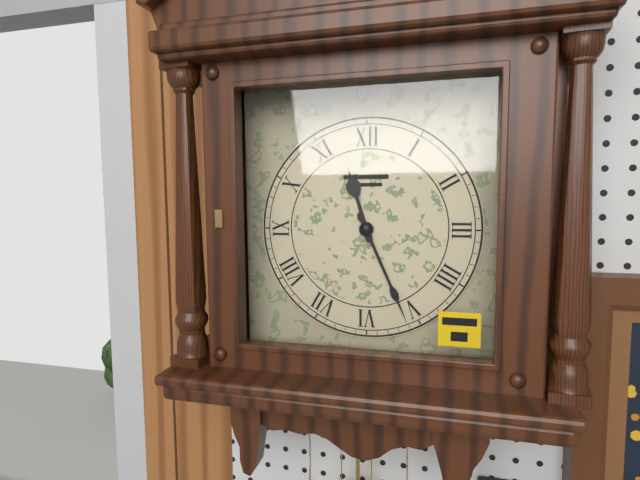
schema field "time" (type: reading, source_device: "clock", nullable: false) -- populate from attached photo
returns 11:26
